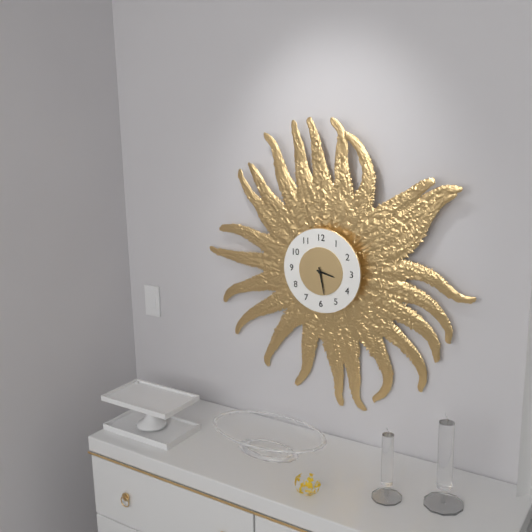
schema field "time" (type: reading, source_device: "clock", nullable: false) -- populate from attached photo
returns 3:28
